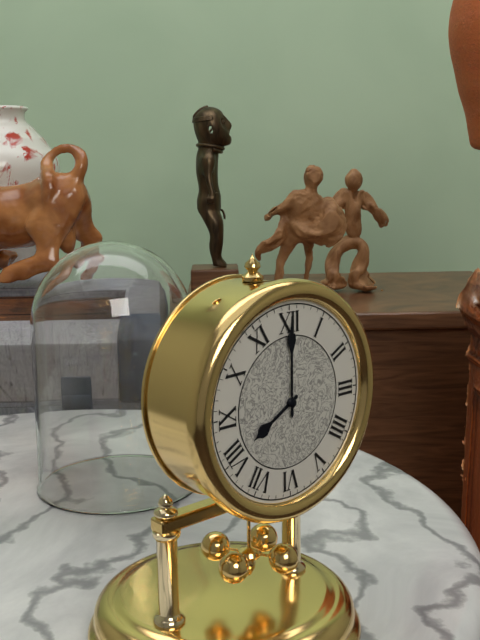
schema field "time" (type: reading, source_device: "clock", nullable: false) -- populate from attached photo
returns 8:00
